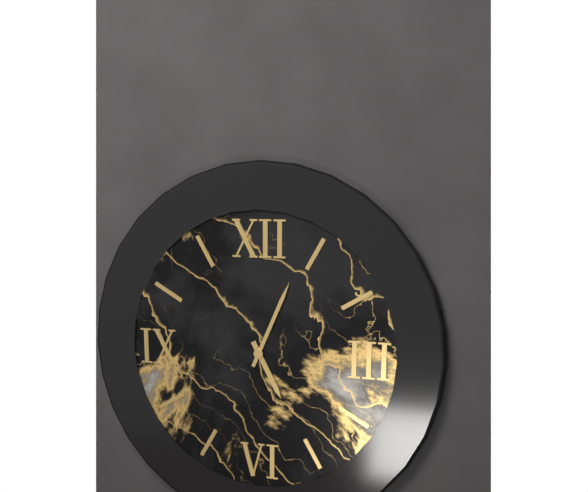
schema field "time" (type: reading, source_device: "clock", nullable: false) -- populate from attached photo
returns 5:04
